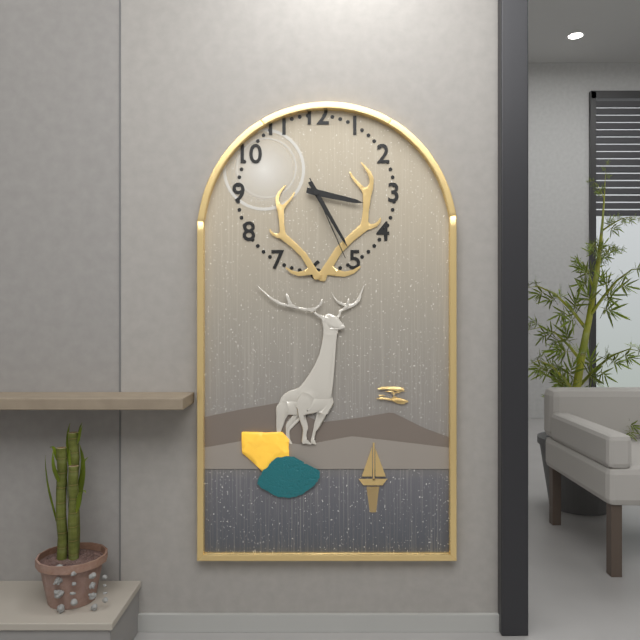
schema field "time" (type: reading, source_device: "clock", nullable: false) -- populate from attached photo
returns 3:25:26
